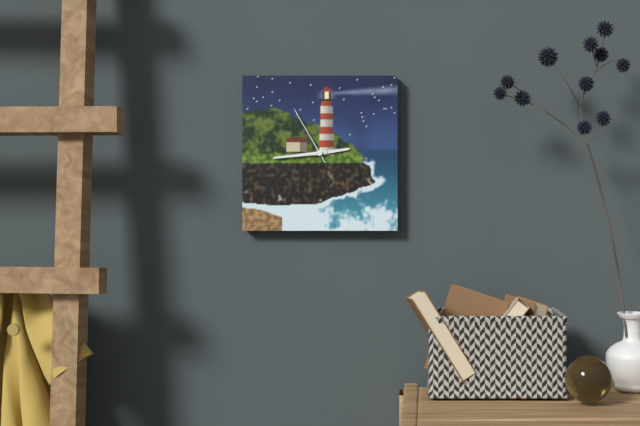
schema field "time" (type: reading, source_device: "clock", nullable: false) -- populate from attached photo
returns 2:44:55
